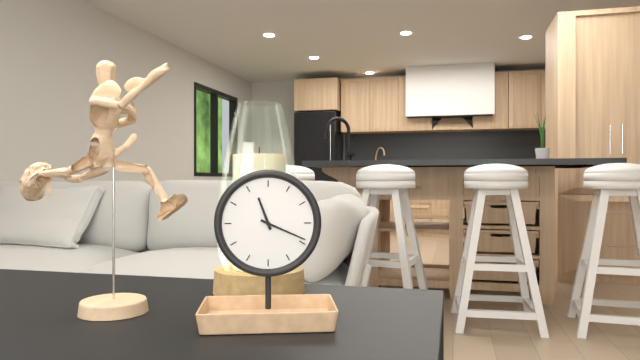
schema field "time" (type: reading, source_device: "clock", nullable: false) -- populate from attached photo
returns 11:19
